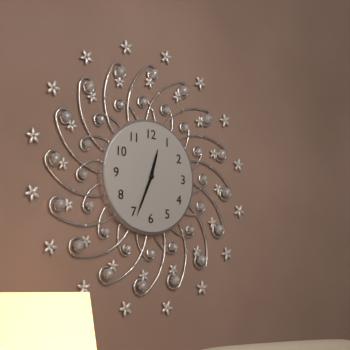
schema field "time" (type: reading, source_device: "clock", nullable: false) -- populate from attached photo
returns 12:34
